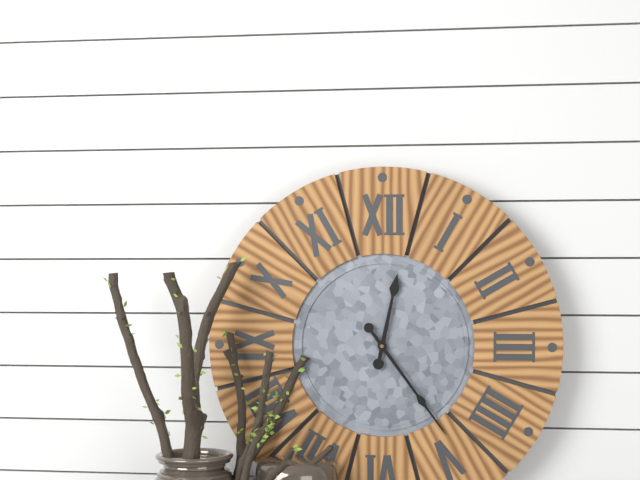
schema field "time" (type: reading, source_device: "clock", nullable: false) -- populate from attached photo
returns 12:24
